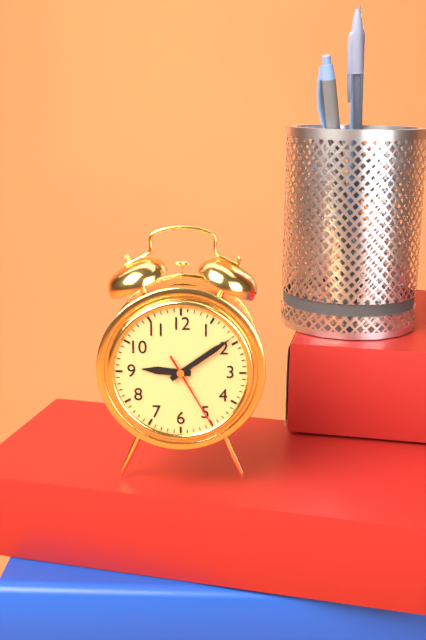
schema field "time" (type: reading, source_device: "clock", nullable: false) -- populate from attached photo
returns 9:09:25
